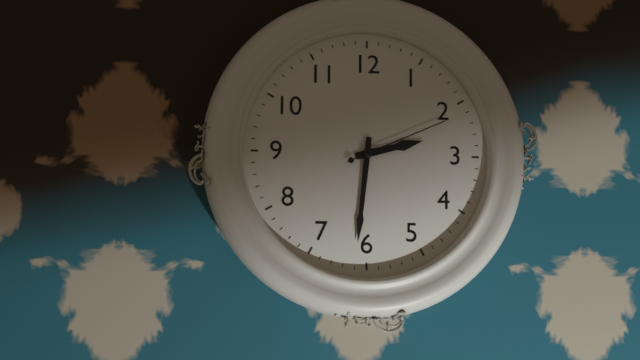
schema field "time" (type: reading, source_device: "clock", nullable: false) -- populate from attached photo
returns 2:31:11
